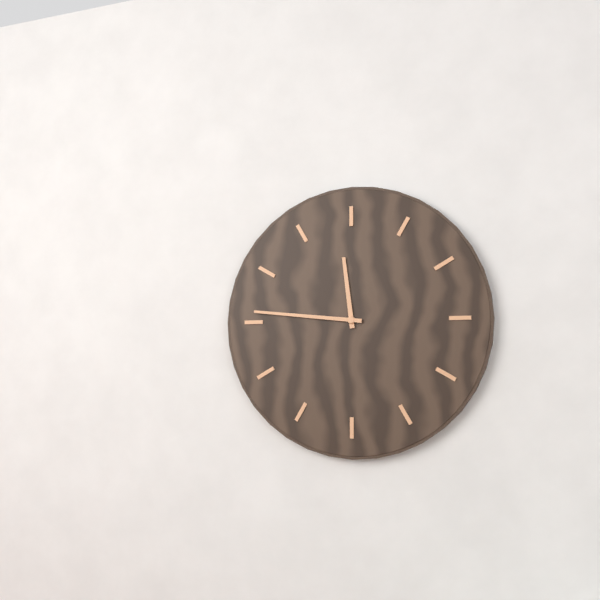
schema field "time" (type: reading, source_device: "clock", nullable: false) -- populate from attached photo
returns 11:46
